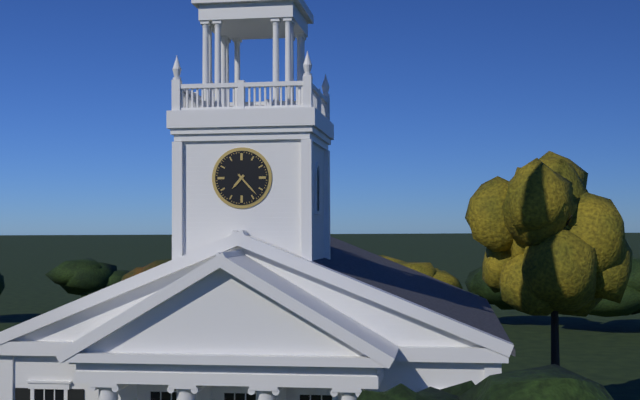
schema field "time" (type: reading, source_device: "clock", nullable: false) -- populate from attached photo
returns 7:23
